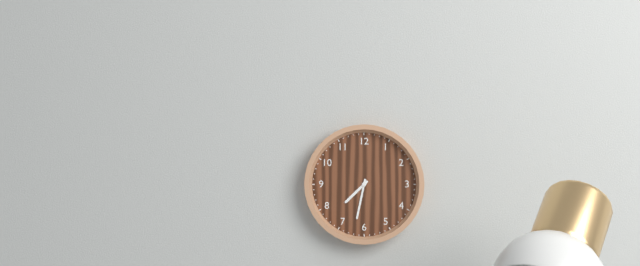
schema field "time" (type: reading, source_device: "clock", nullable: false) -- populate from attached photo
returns 7:32
